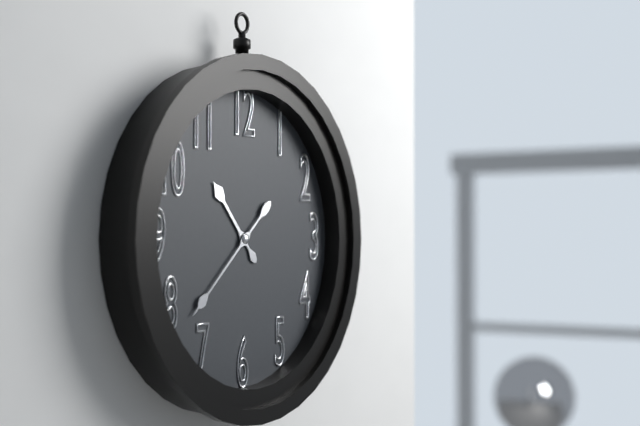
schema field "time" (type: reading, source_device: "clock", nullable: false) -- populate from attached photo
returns 10:38
